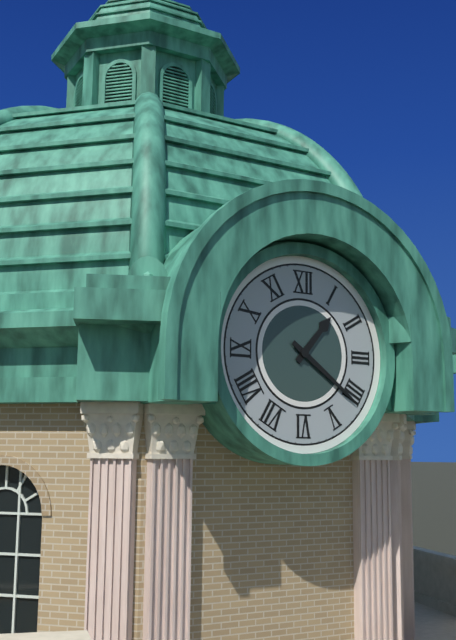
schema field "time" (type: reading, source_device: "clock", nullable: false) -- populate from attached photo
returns 1:21
